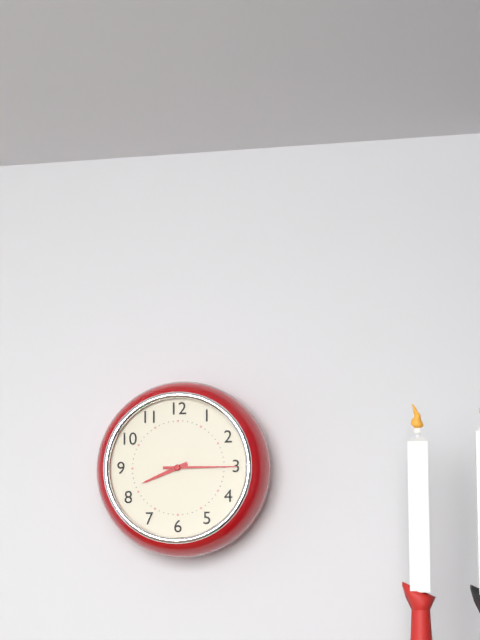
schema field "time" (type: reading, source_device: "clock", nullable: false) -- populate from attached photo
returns 8:15
